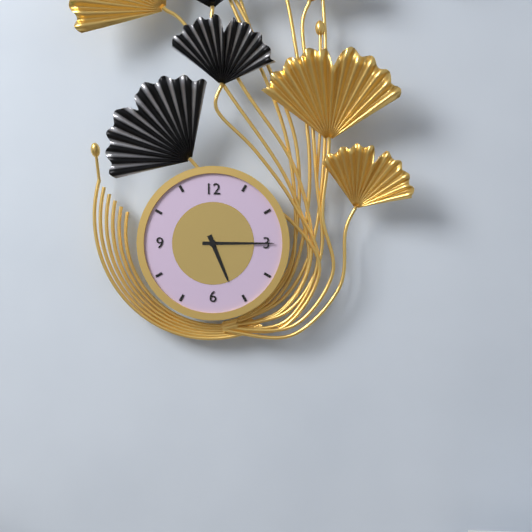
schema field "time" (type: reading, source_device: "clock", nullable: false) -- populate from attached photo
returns 5:15
